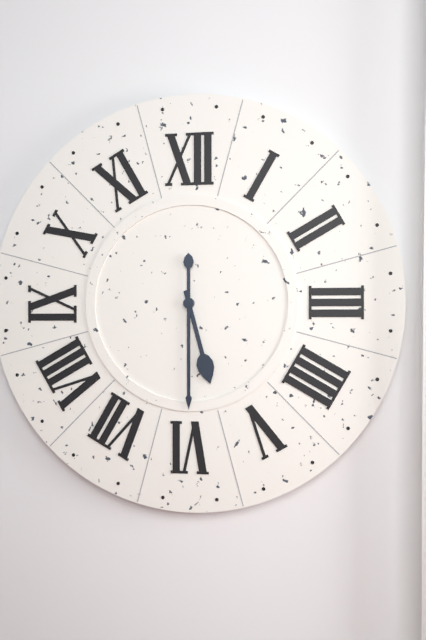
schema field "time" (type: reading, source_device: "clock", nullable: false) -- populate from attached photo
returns 5:30
